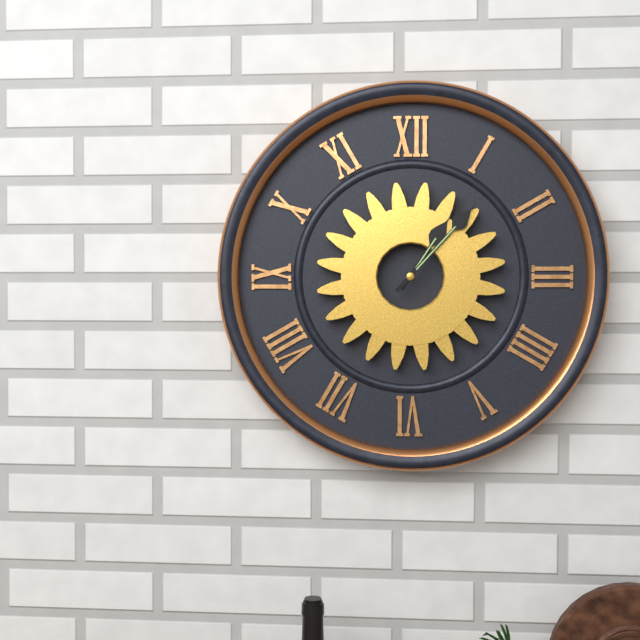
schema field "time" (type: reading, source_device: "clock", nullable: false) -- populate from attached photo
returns 1:07
